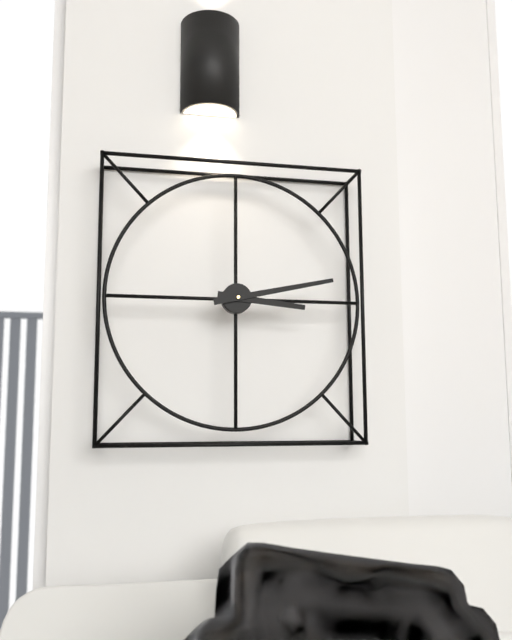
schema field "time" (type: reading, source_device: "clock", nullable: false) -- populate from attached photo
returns 3:13
